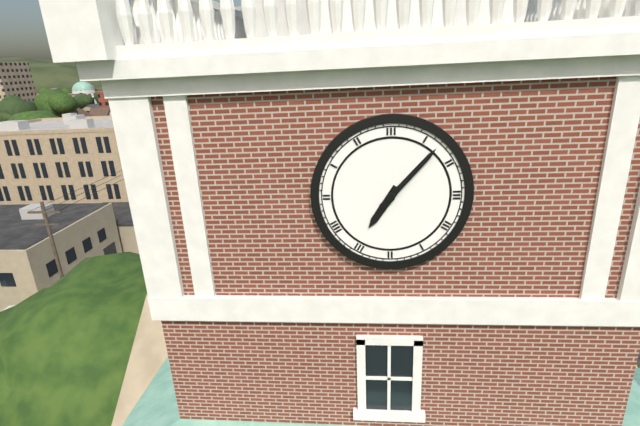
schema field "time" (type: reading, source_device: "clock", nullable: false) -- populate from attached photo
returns 7:07
